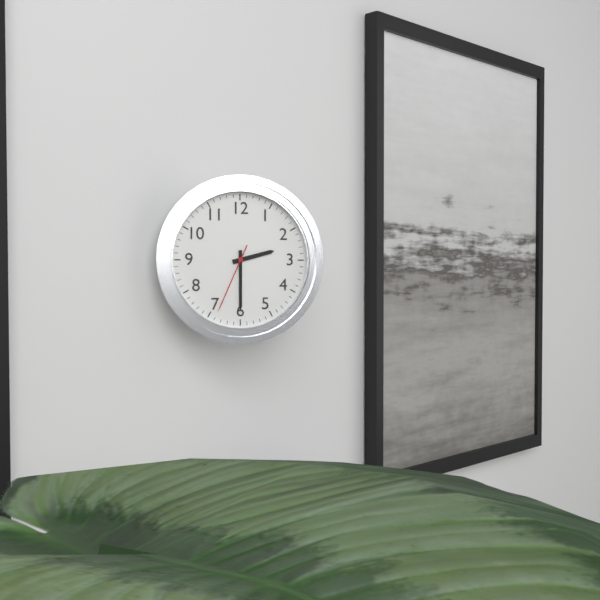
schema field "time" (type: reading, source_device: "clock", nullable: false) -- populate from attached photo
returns 2:30:34
